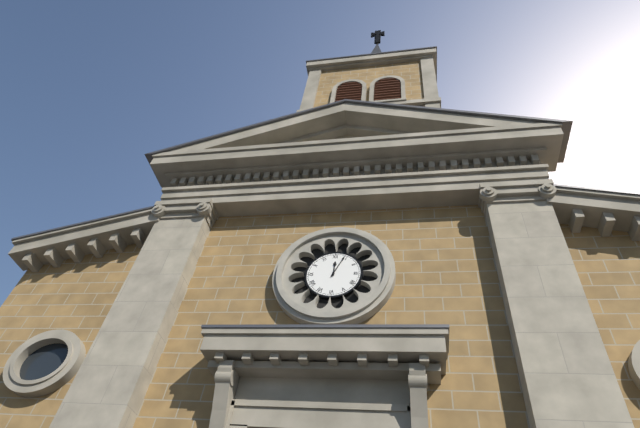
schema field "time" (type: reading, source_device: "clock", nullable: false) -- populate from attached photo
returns 12:04
